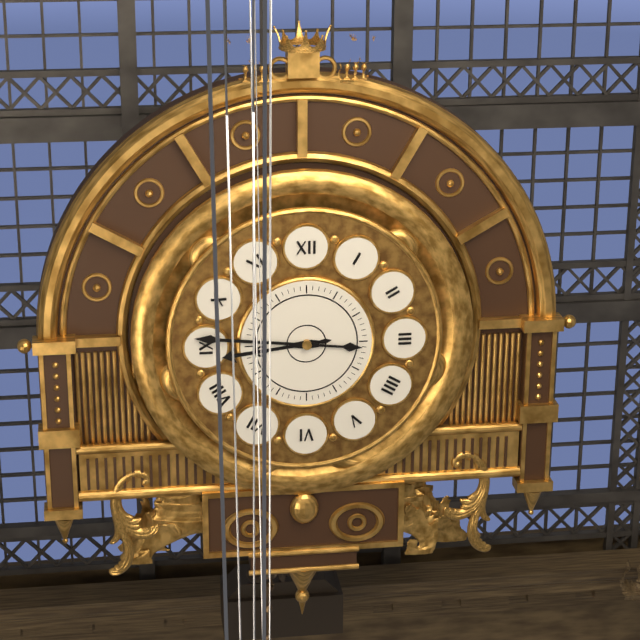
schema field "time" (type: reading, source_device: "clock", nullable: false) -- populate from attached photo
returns 8:46
